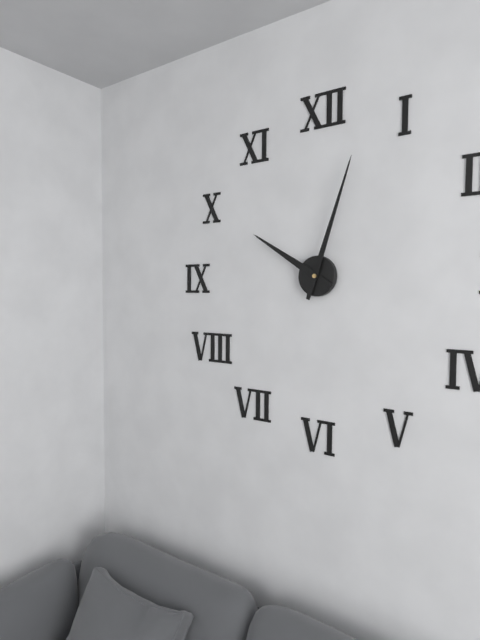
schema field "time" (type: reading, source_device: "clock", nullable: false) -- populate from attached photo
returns 10:03
